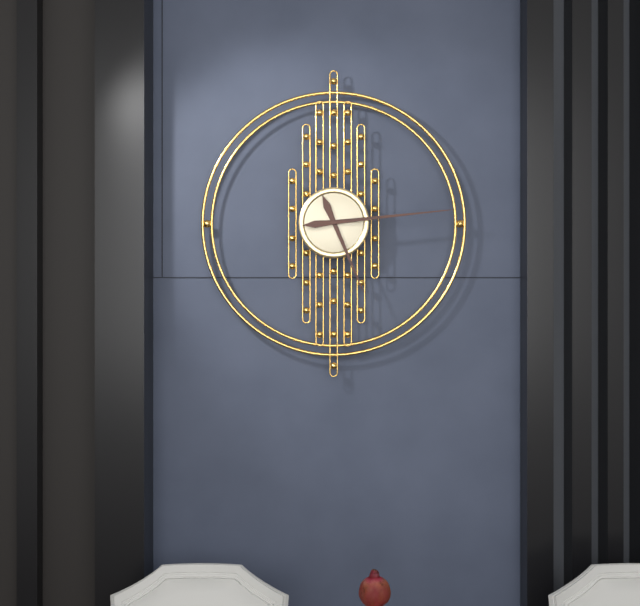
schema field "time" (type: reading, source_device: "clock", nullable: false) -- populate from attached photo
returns 5:14
